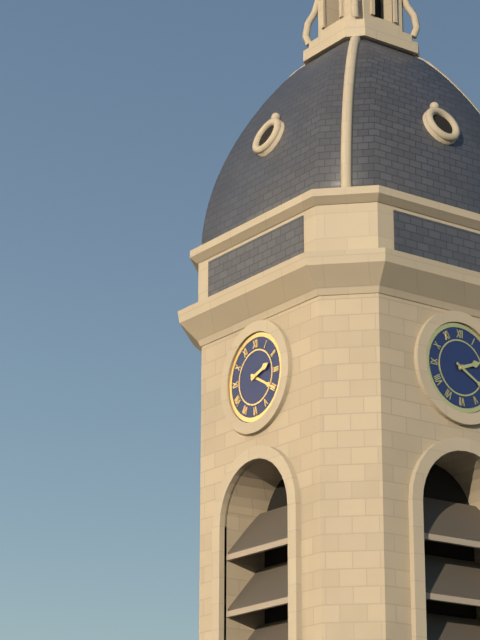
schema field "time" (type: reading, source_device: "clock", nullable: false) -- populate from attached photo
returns 2:20
